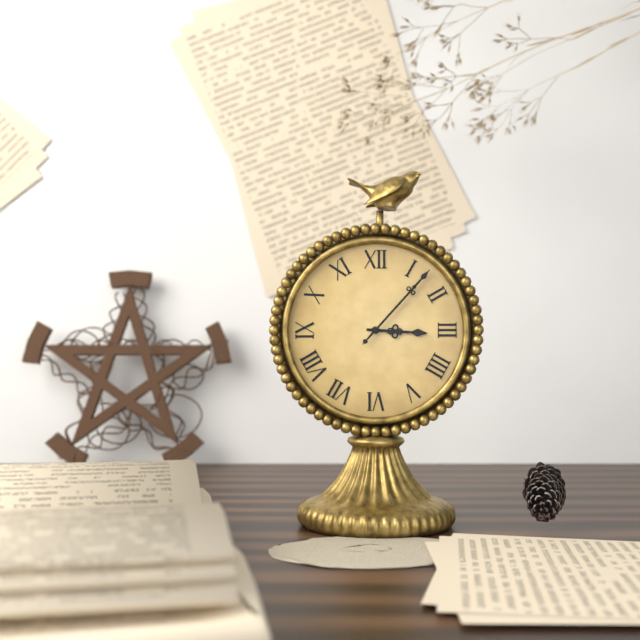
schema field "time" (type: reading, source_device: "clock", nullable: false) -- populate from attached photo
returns 3:07:07
